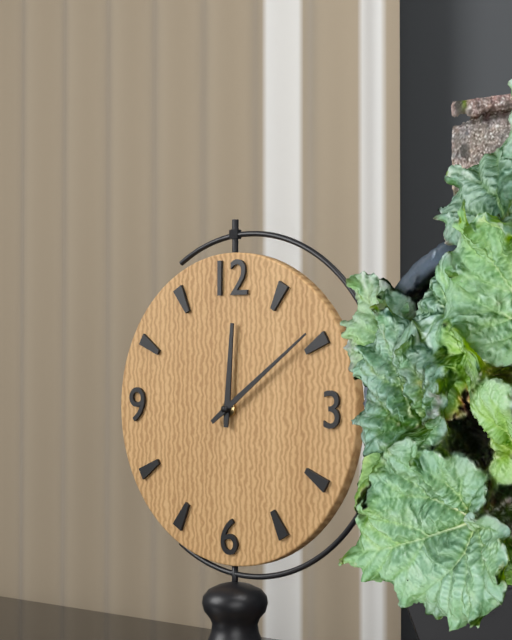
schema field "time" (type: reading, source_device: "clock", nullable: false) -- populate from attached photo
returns 12:09
